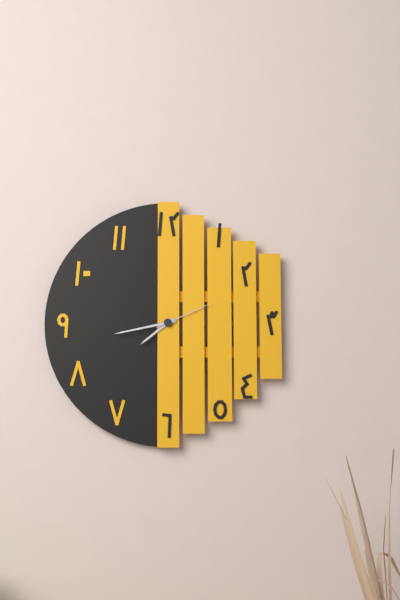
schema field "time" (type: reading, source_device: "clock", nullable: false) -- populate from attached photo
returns 7:43:11
